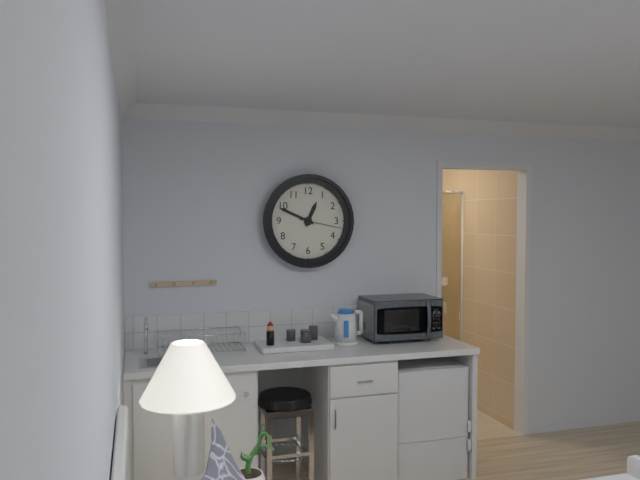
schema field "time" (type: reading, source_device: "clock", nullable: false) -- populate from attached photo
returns 12:49
